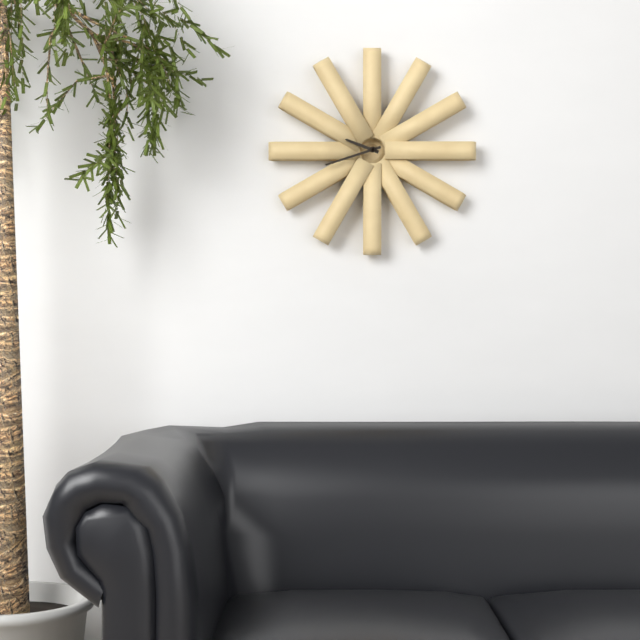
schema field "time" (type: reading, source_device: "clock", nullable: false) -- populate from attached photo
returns 9:42
